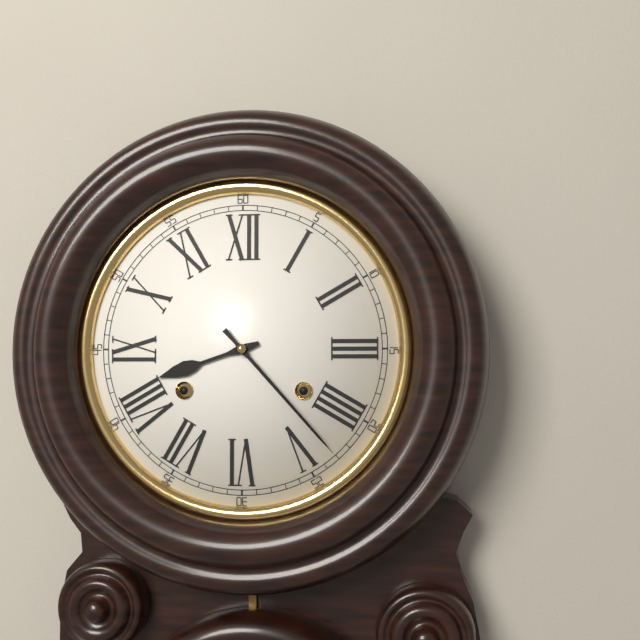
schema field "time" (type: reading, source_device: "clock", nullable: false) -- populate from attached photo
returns 8:23
